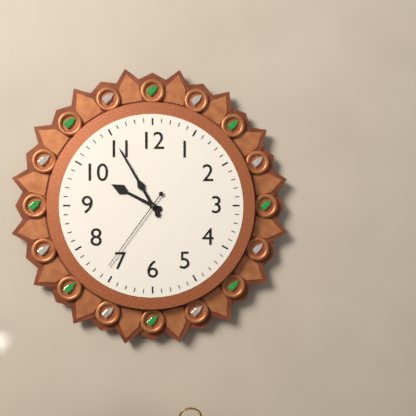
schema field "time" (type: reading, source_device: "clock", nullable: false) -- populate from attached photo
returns 9:55:36
